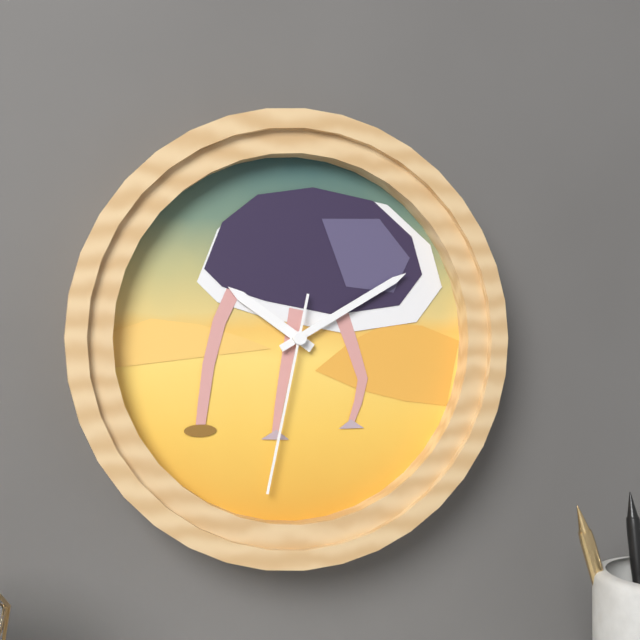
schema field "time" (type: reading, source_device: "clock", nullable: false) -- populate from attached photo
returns 10:10:32
